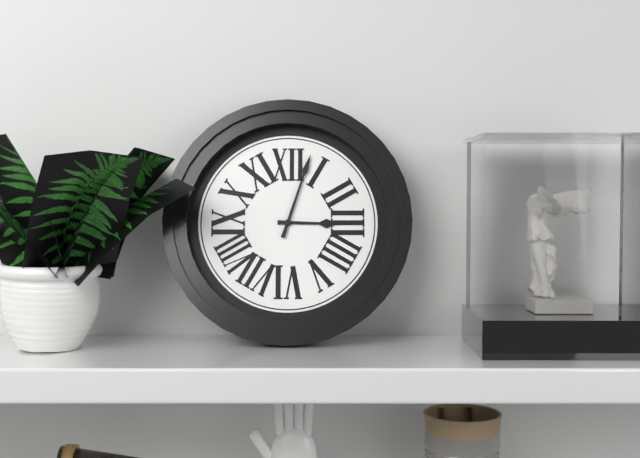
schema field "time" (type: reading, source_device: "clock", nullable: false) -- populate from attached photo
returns 3:03
